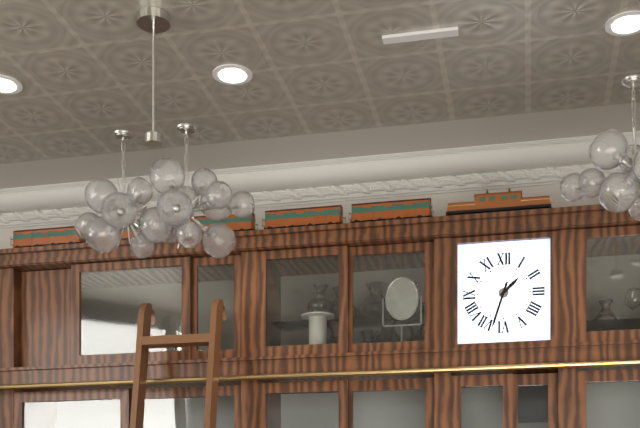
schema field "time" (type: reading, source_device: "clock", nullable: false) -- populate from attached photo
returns 1:33
